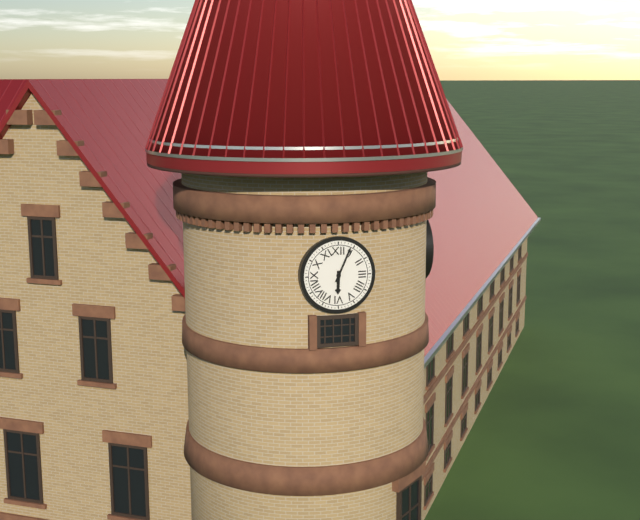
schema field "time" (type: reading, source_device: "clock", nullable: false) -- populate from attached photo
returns 6:04
